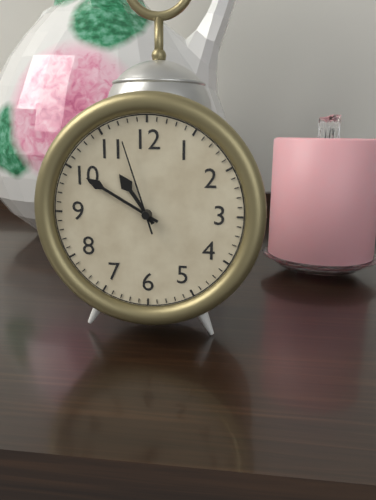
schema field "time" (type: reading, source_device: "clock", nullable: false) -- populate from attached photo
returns 10:50:57
